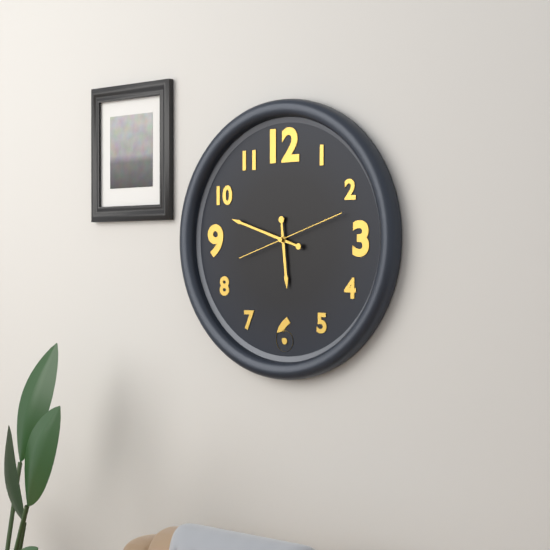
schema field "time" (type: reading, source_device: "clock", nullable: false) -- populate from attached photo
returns 5:48:12
